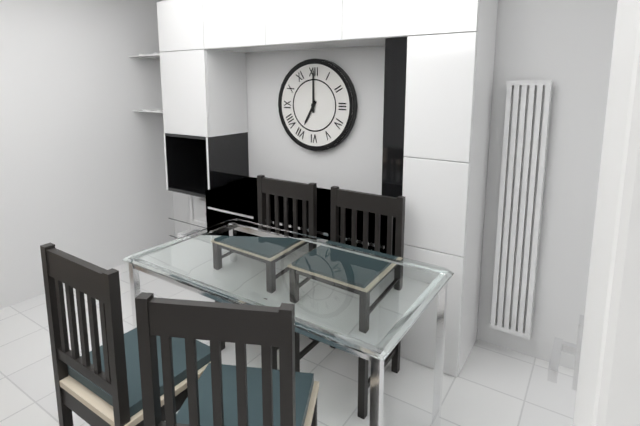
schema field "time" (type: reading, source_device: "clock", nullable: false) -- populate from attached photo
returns 7:00
